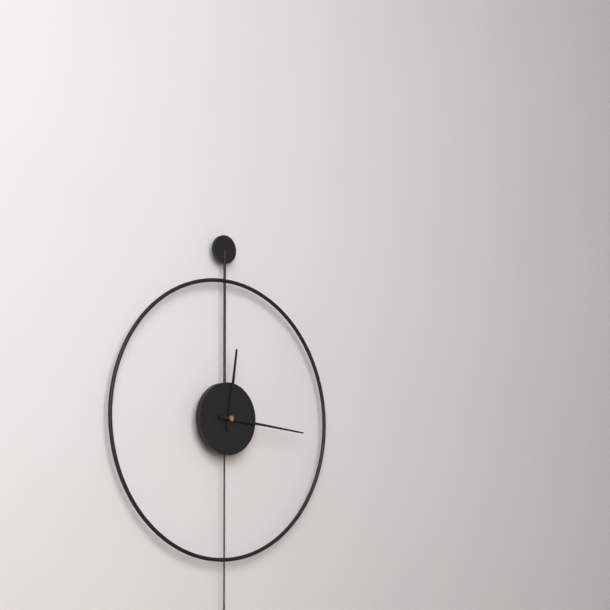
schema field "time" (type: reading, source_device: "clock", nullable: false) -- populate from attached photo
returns 12:16
